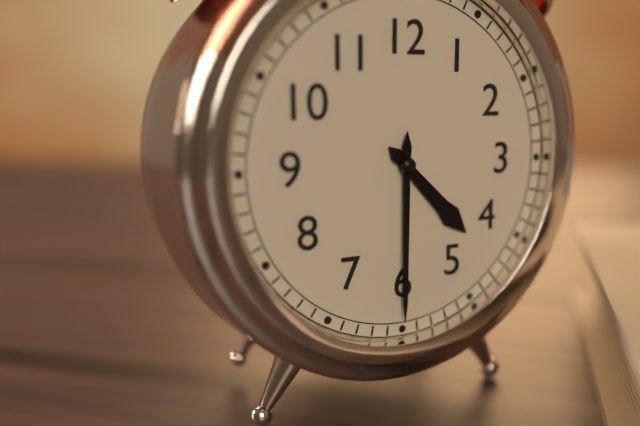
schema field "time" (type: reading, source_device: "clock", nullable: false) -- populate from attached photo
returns 4:30
